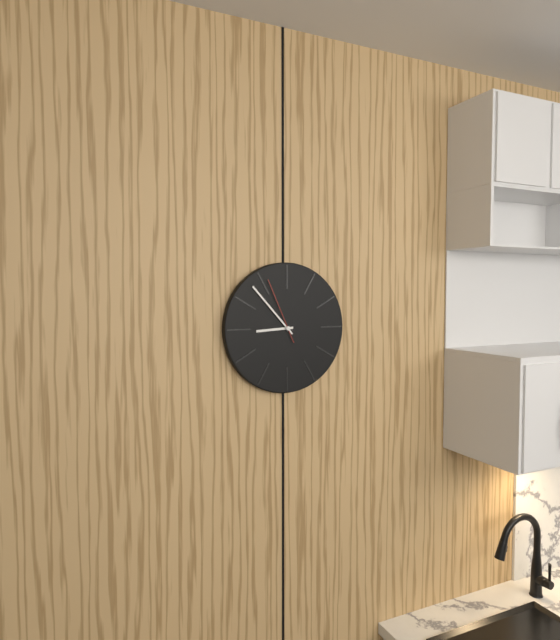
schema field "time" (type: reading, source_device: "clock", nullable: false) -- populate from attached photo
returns 8:53:56
